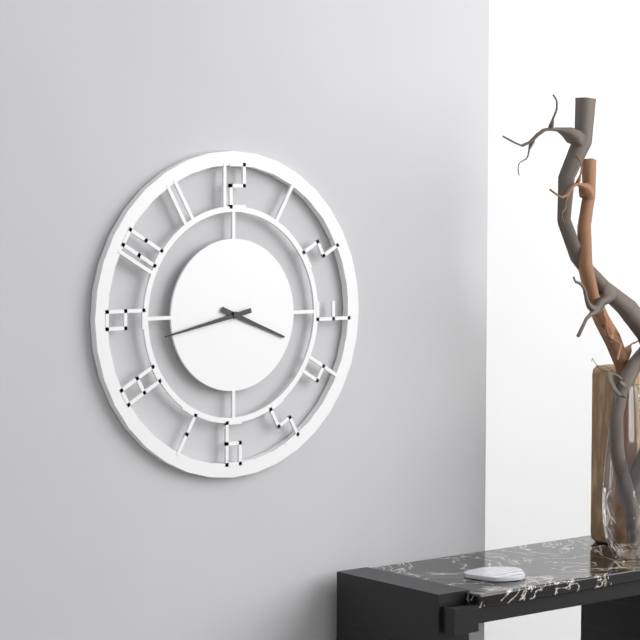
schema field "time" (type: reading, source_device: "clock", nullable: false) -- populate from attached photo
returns 3:43
